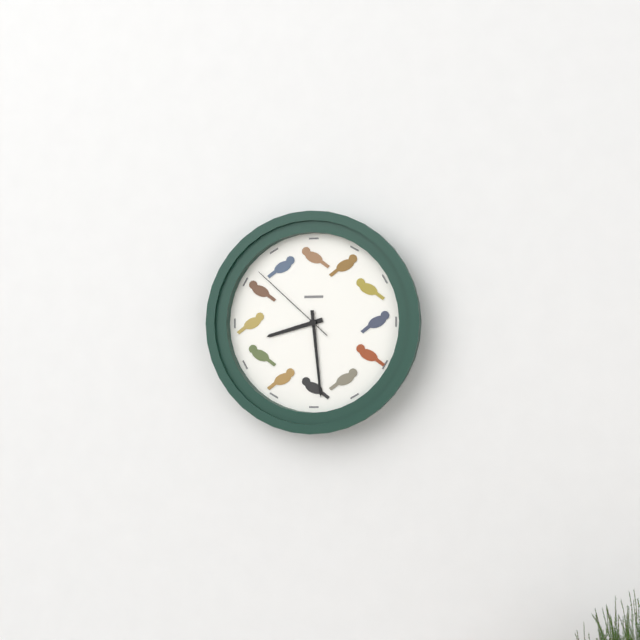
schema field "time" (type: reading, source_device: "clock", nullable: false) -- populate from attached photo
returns 8:29:52
